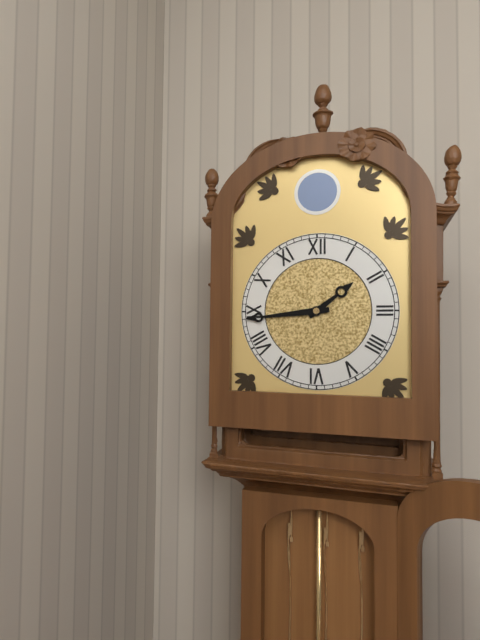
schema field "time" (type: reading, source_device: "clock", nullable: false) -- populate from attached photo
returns 1:44
